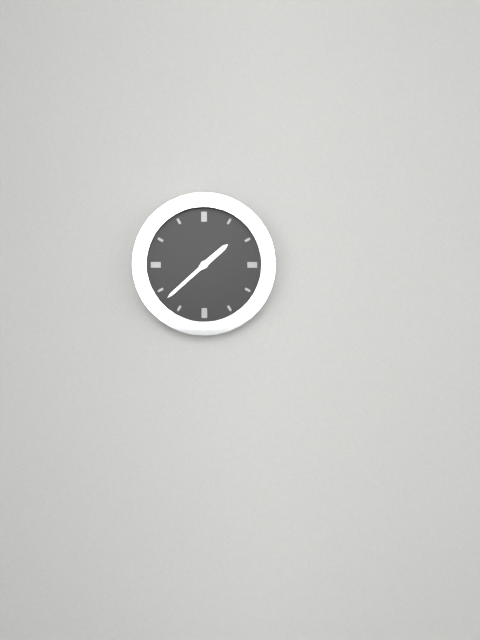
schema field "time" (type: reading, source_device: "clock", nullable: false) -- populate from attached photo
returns 1:38
